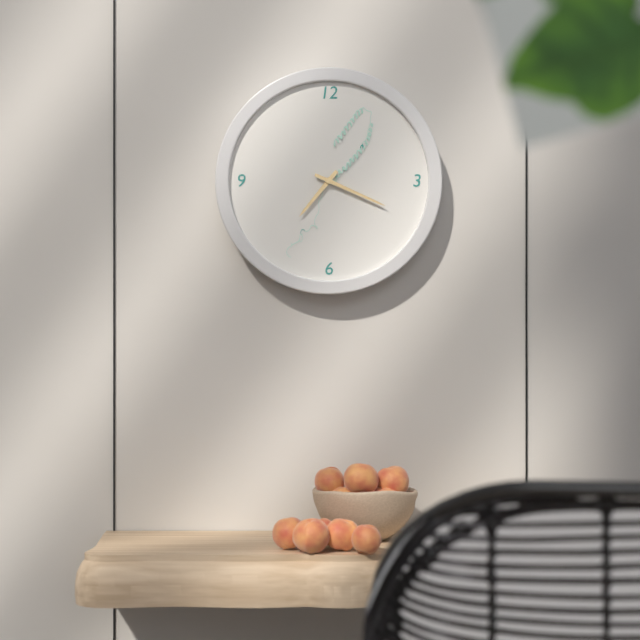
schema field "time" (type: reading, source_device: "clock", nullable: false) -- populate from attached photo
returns 7:19
